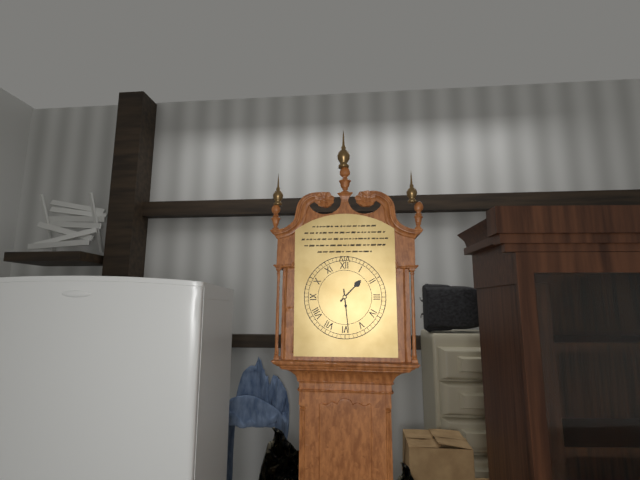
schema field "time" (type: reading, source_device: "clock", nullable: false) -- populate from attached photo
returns 1:29
